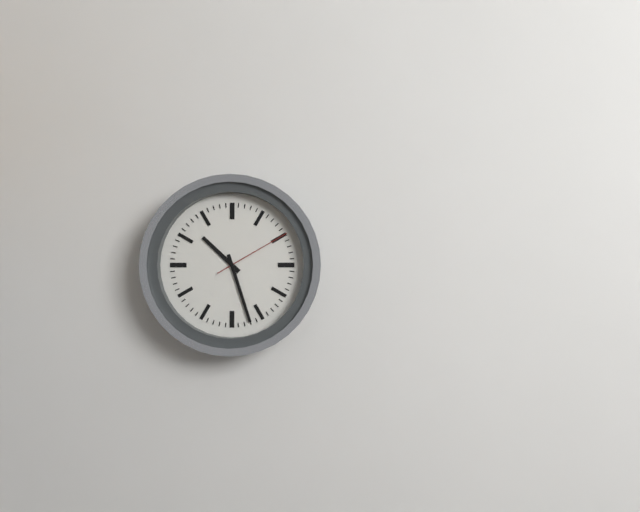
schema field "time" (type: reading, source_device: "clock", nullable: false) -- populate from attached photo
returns 10:27:10
